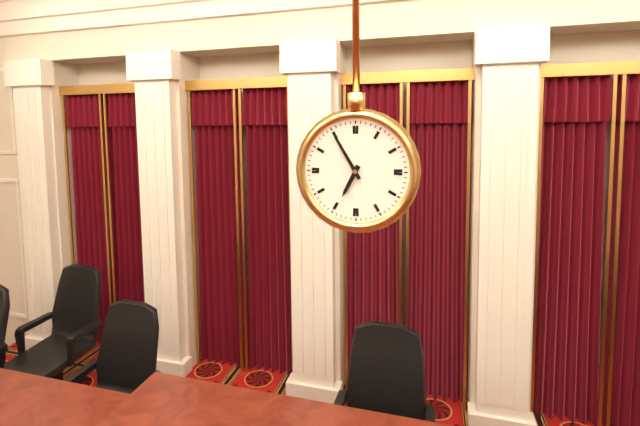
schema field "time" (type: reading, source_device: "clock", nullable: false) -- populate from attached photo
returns 6:55
